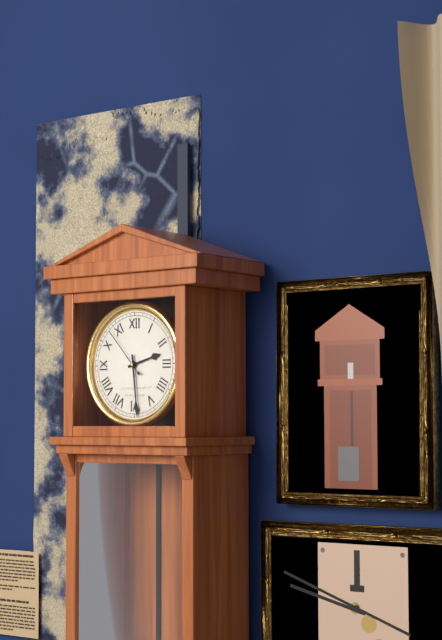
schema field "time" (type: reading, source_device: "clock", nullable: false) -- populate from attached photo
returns 2:29:53
